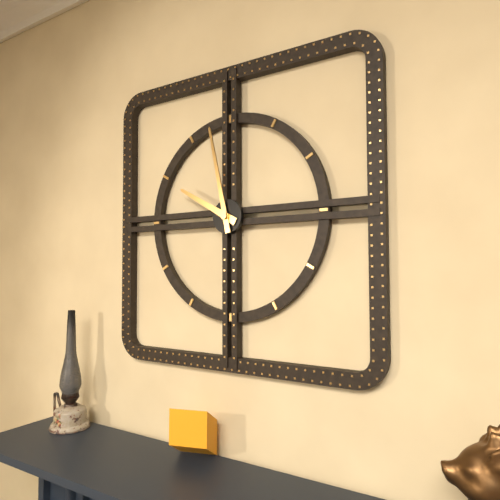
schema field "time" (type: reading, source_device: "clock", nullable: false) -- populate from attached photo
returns 9:58
